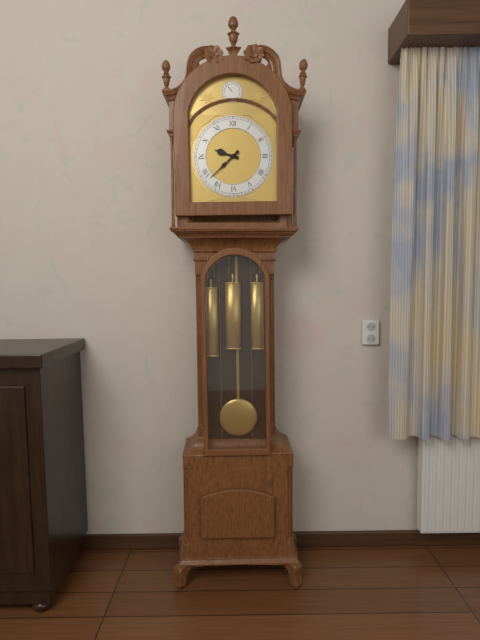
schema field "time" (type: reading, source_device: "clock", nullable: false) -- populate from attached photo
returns 9:38
